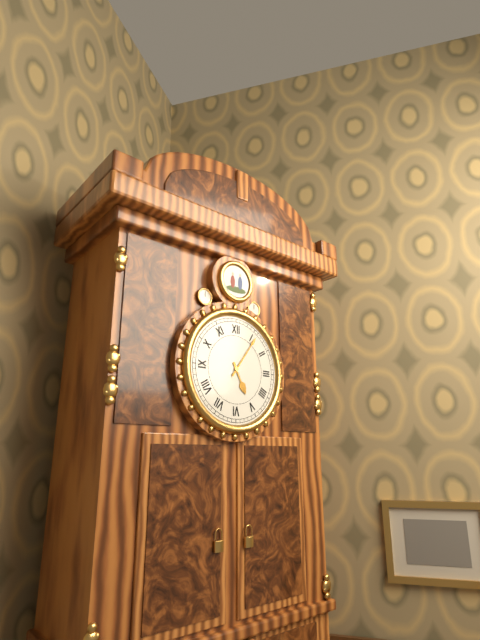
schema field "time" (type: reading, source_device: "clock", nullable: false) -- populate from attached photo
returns 5:06
